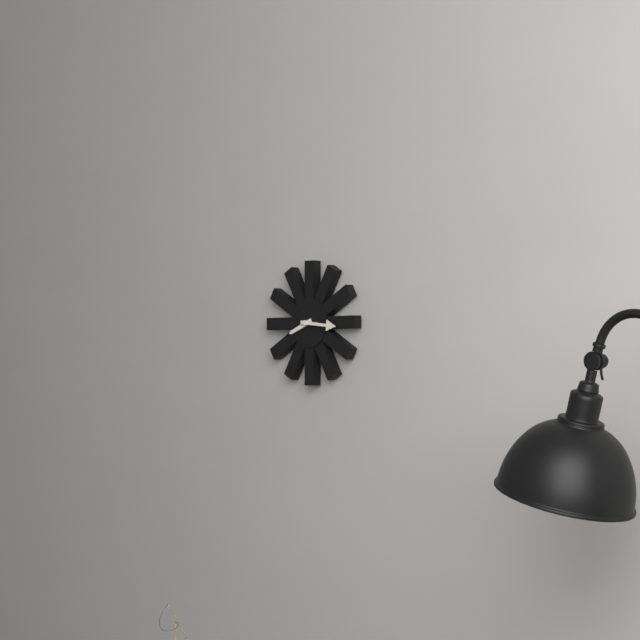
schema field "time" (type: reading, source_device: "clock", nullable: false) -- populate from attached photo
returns 8:16
